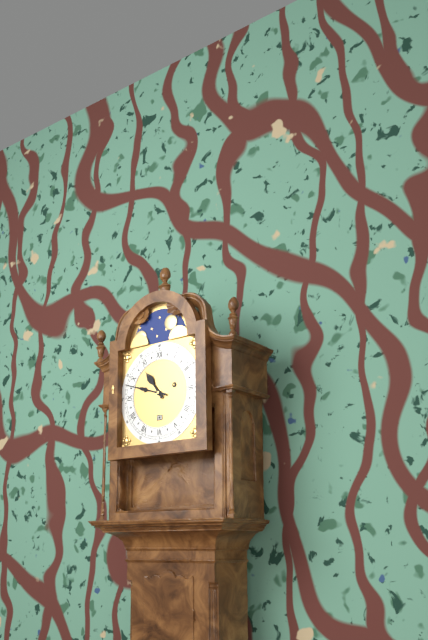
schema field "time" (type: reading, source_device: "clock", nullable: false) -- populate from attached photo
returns 10:48
